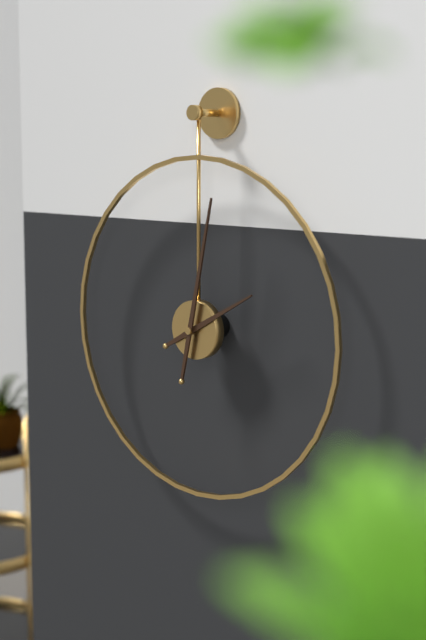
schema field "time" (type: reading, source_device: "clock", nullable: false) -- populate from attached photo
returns 2:02
